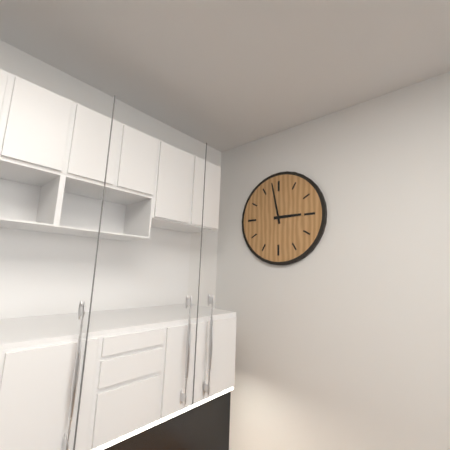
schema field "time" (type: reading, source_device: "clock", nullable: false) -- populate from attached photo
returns 2:58
